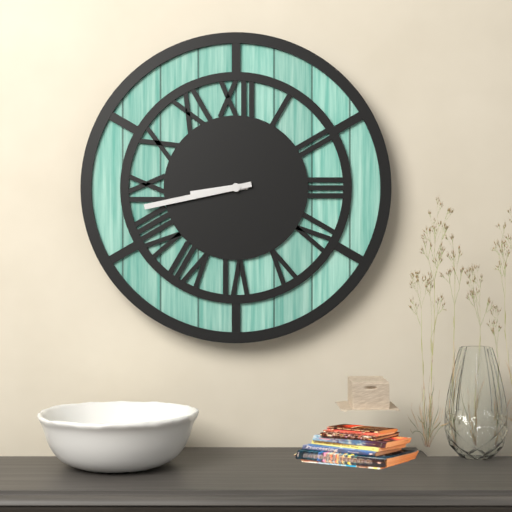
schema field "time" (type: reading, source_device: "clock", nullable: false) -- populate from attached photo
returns 8:43
